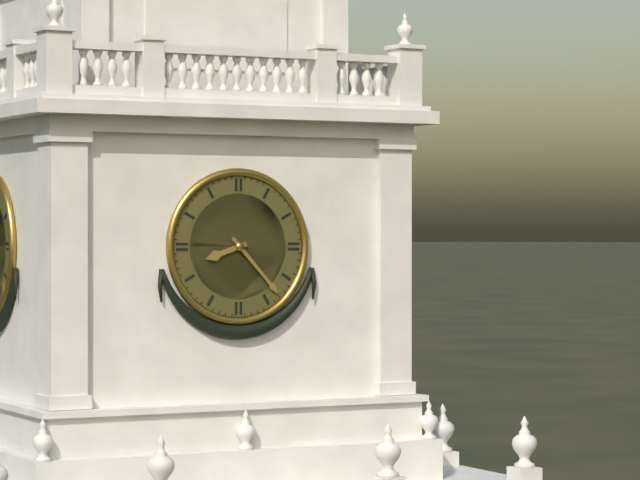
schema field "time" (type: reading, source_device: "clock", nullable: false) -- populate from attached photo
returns 8:23
